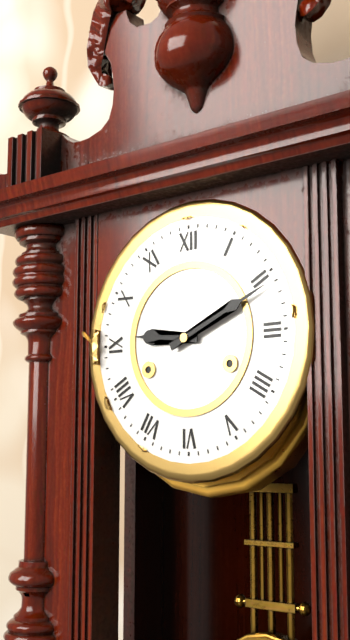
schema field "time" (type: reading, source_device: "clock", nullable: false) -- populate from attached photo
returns 9:11
